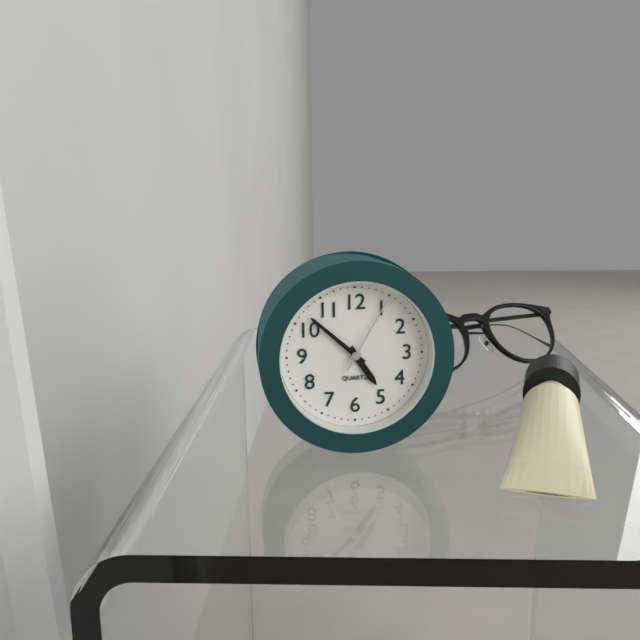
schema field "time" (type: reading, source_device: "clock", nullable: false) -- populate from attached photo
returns 4:52:05
